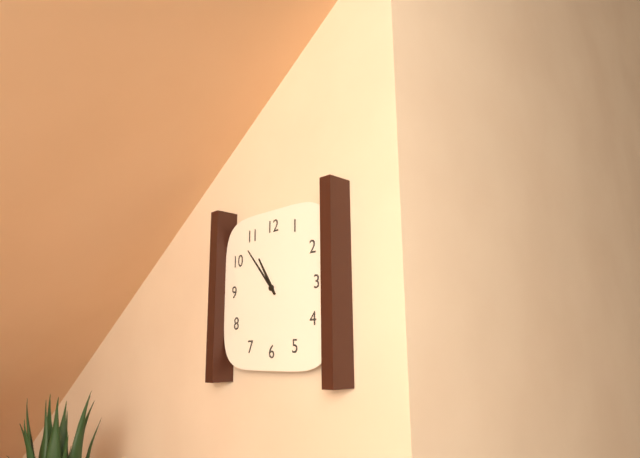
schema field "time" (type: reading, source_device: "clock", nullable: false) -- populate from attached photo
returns 10:53
